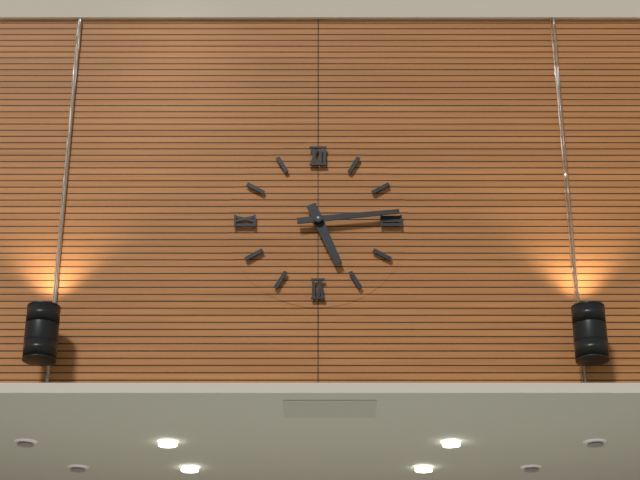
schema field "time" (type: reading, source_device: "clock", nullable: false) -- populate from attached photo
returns 5:14
